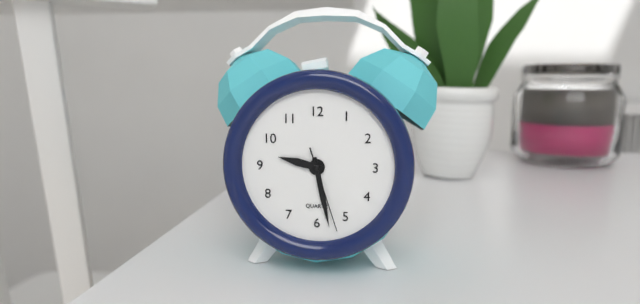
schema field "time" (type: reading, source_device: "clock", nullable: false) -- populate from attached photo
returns 9:28:27
